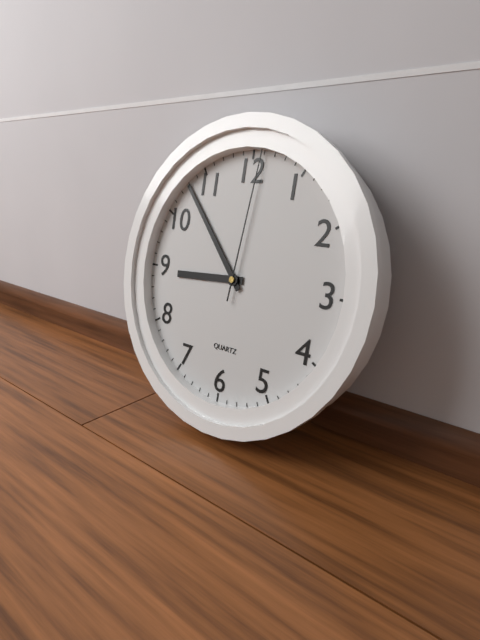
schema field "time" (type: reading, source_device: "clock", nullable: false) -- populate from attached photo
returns 8:53:01
